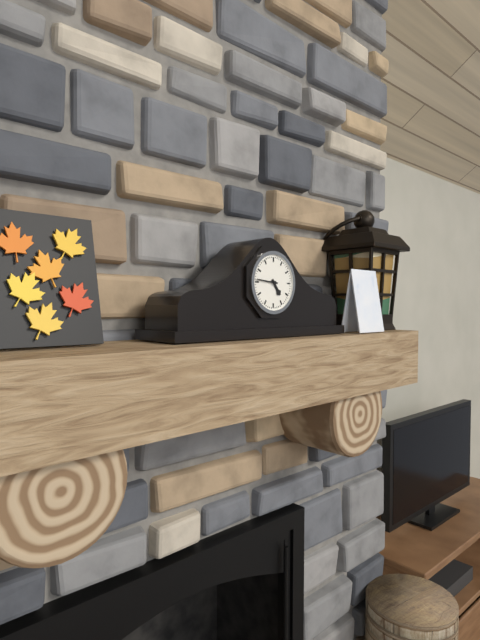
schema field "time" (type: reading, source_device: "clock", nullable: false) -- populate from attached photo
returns 4:46
